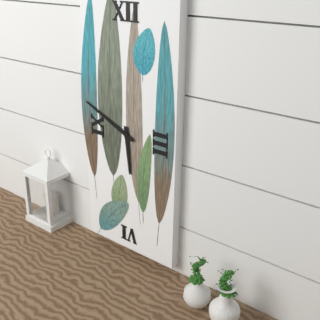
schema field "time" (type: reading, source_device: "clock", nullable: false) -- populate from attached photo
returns 5:49
